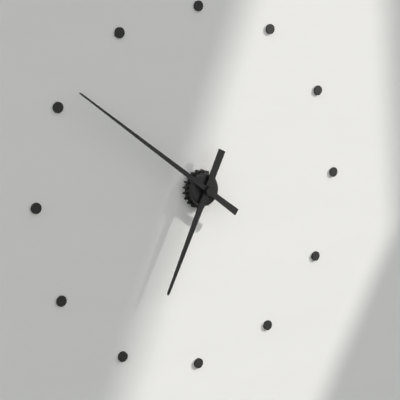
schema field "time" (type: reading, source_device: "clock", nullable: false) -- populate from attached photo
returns 6:51
